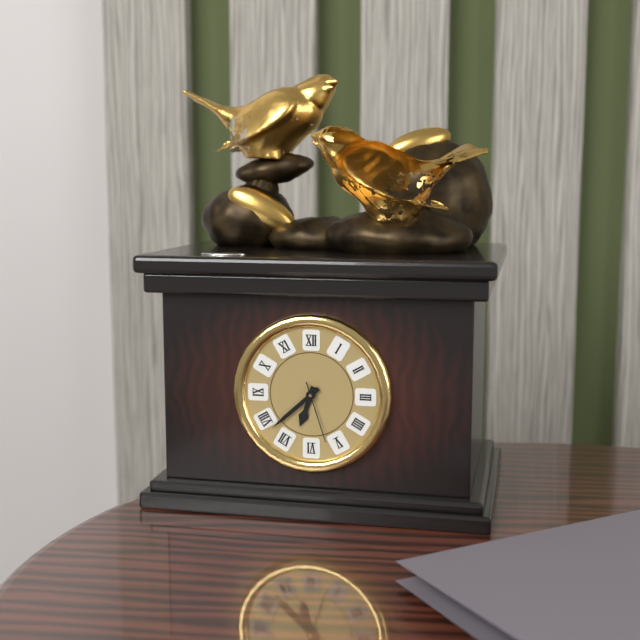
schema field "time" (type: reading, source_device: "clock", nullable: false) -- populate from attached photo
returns 6:38:27
